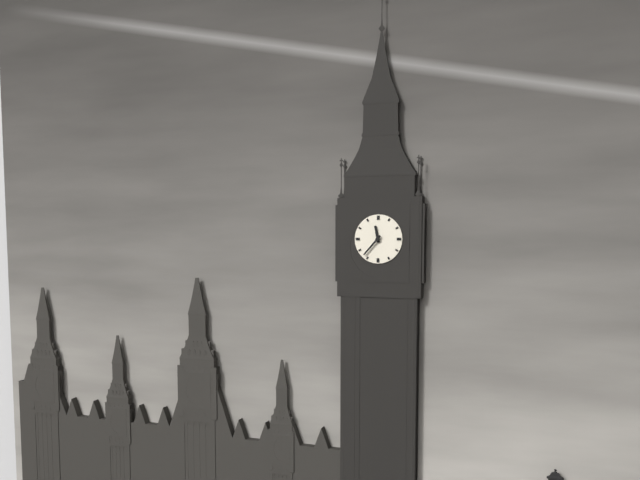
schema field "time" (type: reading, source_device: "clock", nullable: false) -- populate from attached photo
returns 11:37
